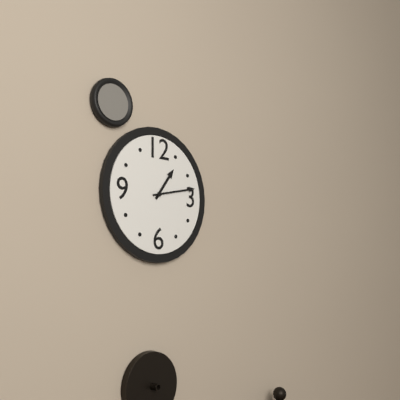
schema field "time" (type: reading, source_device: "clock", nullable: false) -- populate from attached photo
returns 1:13
